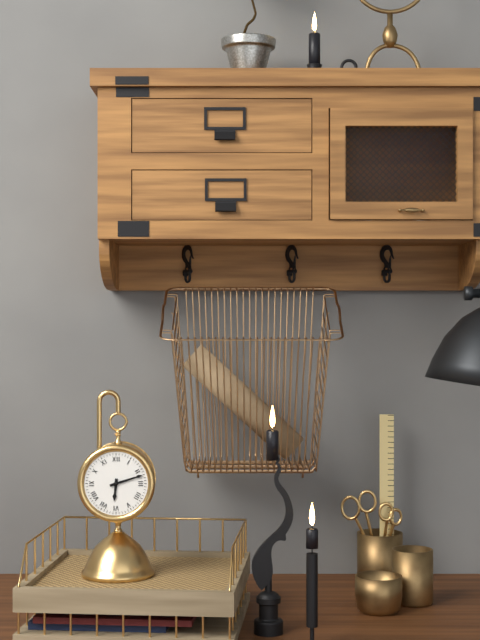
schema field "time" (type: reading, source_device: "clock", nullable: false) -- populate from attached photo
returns 6:12
